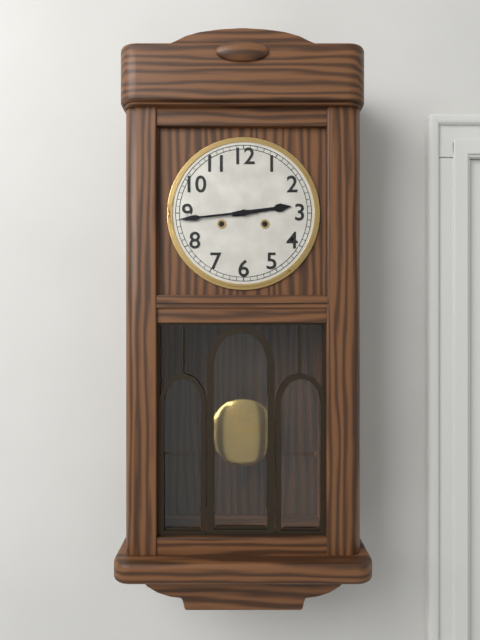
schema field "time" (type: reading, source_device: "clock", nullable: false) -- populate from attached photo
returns 2:44
